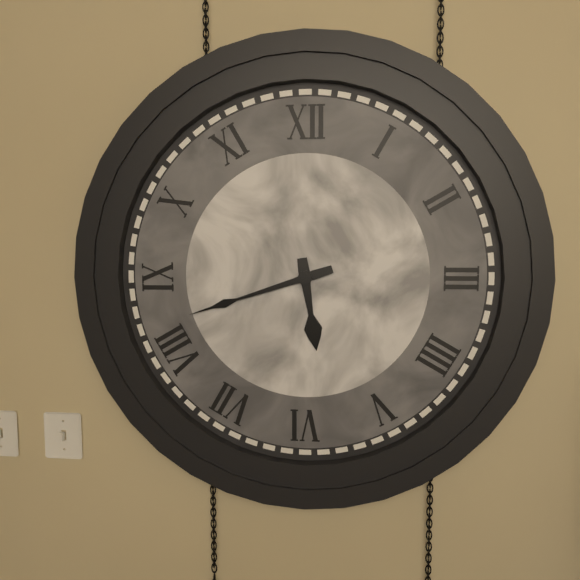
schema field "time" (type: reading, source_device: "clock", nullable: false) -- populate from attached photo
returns 5:42
